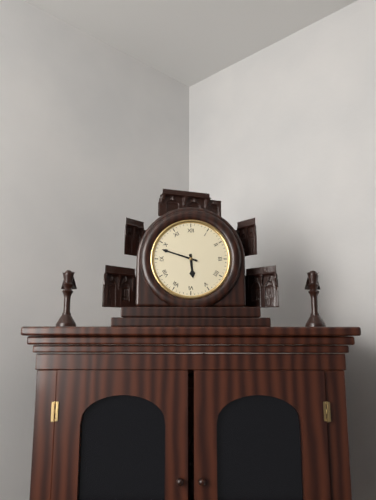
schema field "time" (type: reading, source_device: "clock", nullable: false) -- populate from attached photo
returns 5:48
